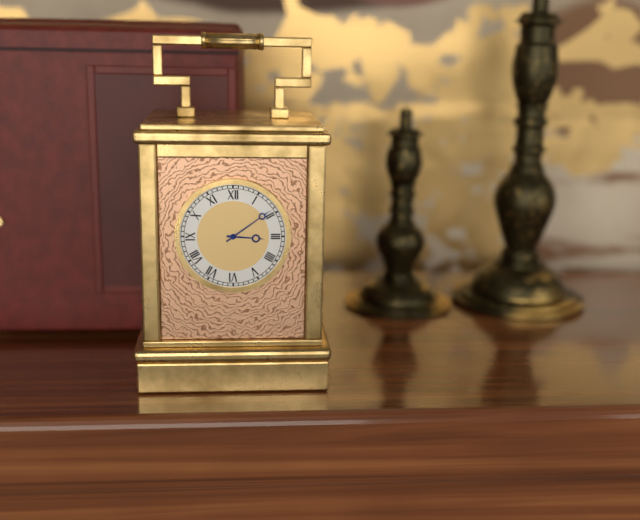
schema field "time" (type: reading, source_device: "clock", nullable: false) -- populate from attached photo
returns 3:09
